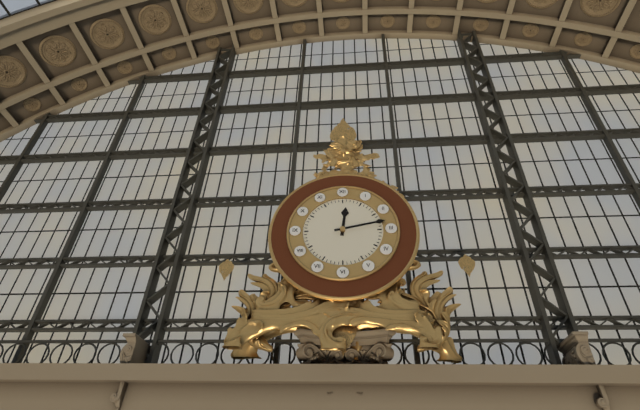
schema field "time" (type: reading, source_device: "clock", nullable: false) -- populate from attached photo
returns 12:13
